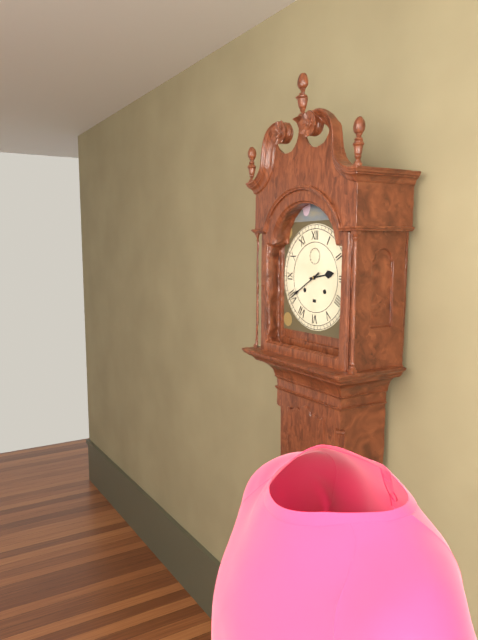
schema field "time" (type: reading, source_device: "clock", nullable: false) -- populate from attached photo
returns 2:40
